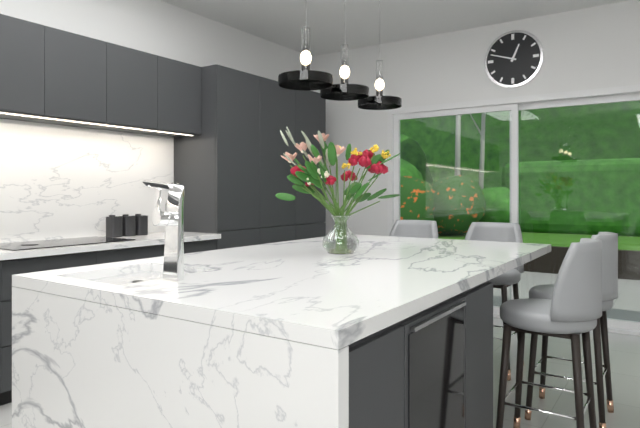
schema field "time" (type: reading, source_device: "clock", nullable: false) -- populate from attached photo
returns 12:48
